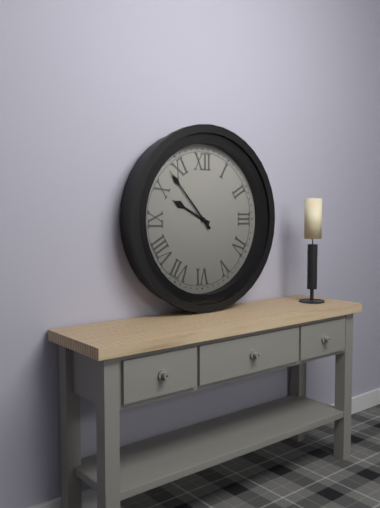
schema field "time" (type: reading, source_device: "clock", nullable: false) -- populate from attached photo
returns 9:53
